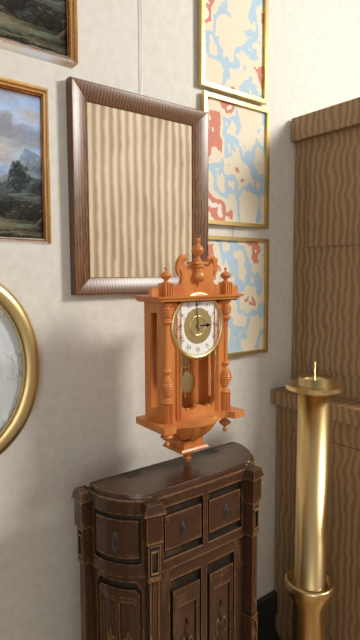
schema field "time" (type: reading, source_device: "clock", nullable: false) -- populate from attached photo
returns 2:59
